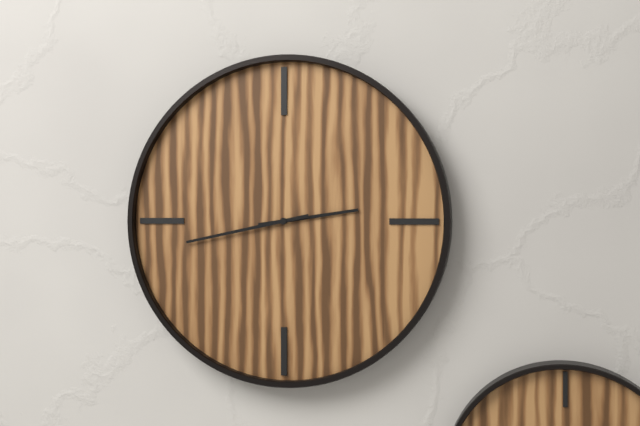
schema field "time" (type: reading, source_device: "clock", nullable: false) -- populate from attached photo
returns 2:43
